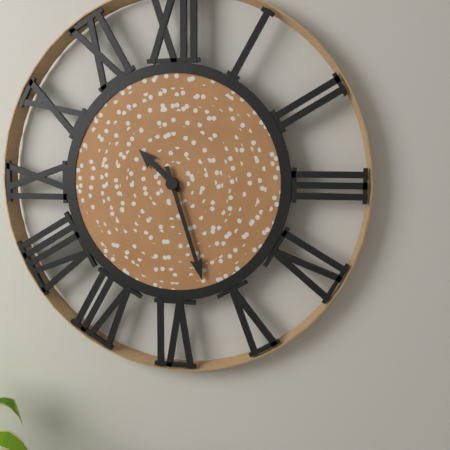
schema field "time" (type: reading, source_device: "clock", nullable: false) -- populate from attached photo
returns 10:27
